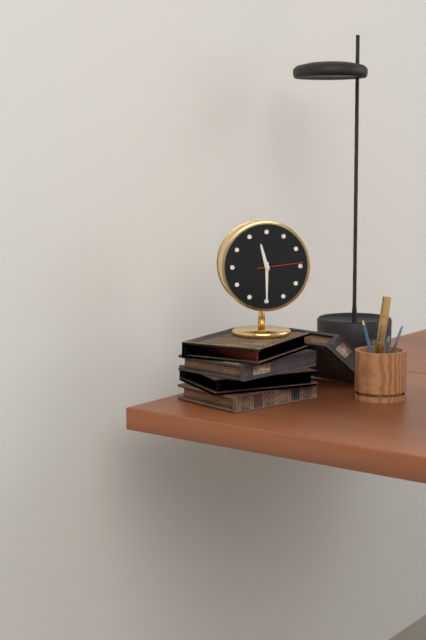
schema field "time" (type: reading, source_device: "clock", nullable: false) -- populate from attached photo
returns 11:30
